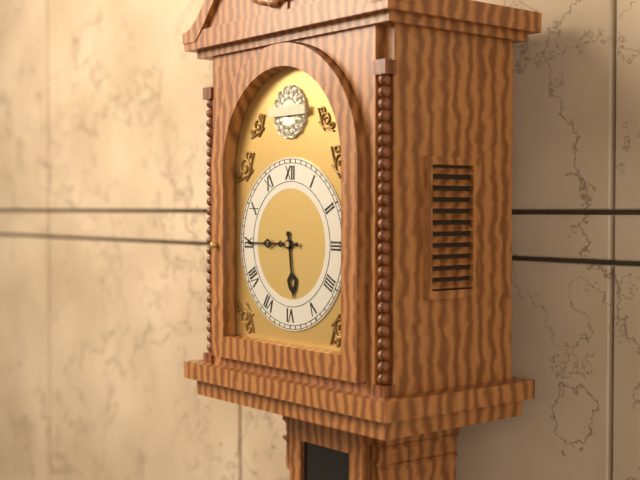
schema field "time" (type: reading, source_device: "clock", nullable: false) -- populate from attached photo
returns 5:45
